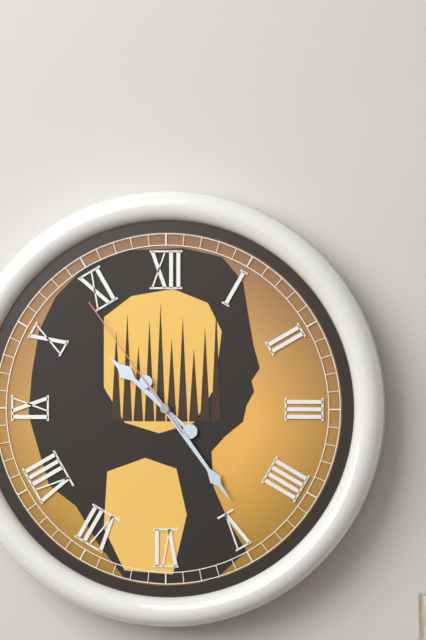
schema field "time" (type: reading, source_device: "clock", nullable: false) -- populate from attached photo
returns 10:24:54
